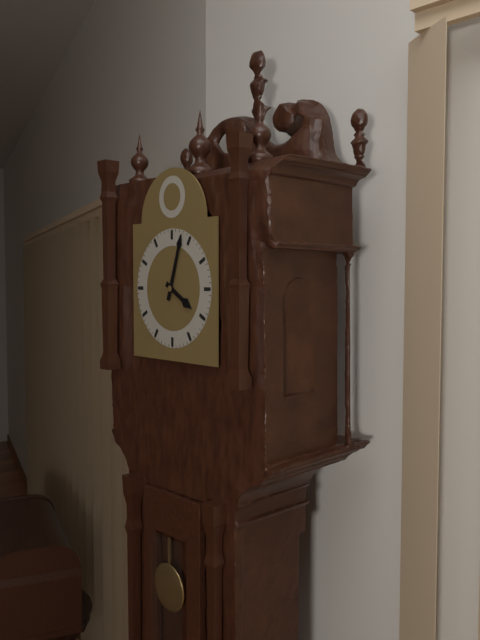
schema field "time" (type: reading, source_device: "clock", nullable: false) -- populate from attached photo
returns 4:03
